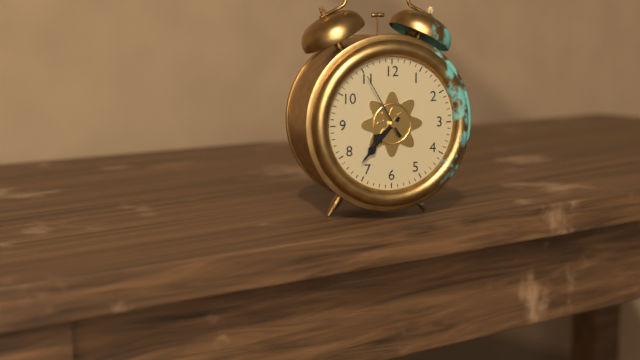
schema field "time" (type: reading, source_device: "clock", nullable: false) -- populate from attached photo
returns 7:37:55
